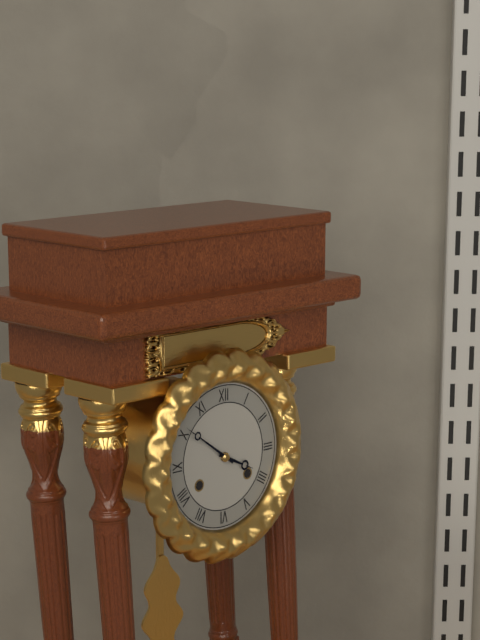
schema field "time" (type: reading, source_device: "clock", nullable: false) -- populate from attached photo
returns 3:51
